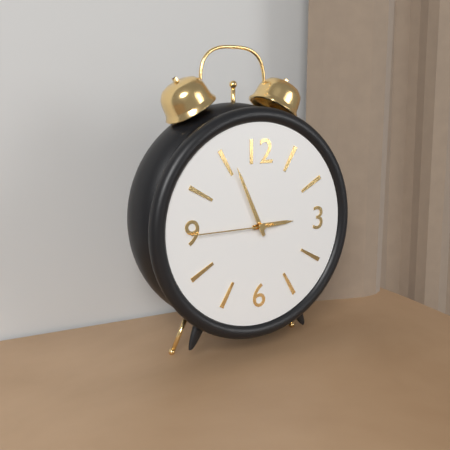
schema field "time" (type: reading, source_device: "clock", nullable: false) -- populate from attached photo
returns 2:56:45
